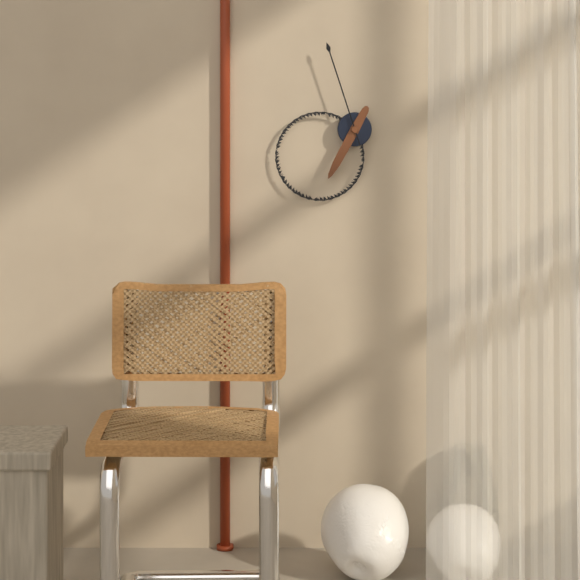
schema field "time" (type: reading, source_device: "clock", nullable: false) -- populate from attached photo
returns 6:57
